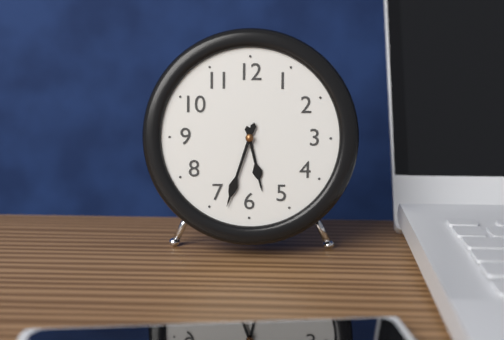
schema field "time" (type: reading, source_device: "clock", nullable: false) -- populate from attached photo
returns 5:33
